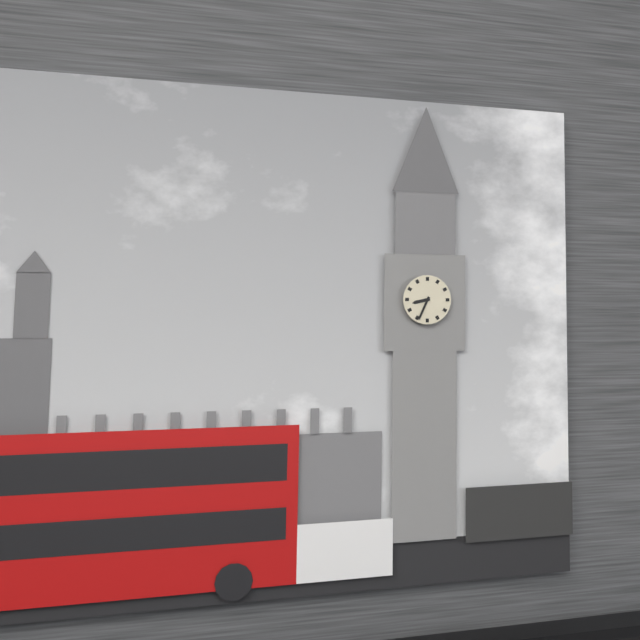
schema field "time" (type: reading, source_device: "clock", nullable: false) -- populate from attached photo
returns 8:34
